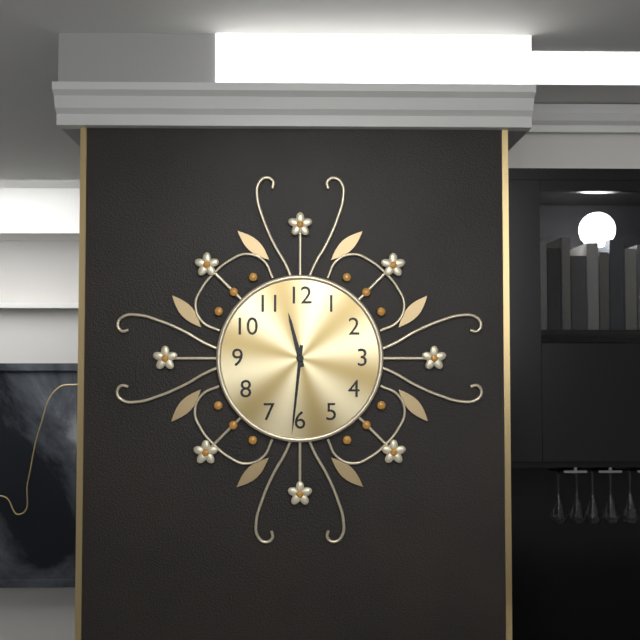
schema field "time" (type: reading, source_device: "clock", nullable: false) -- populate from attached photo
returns 11:31
